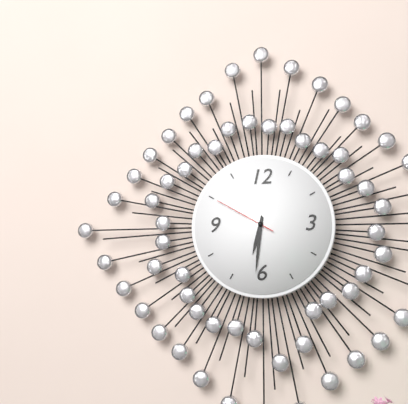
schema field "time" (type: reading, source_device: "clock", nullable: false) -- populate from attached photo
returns 6:31:50
